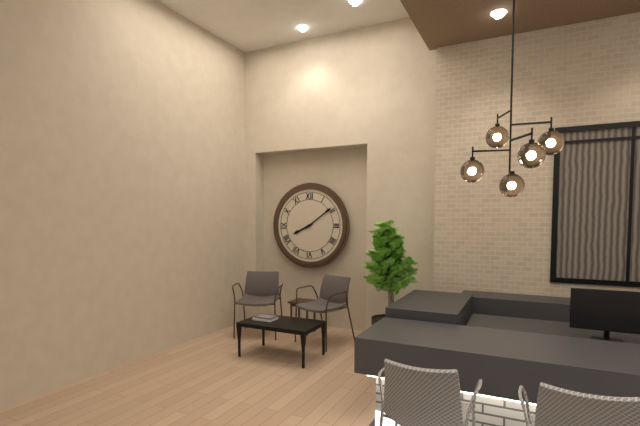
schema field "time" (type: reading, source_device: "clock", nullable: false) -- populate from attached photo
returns 8:09
